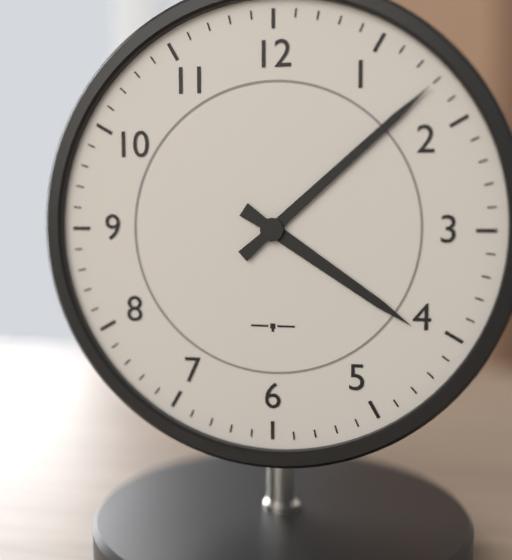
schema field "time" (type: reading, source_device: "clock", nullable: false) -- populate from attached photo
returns 4:08
